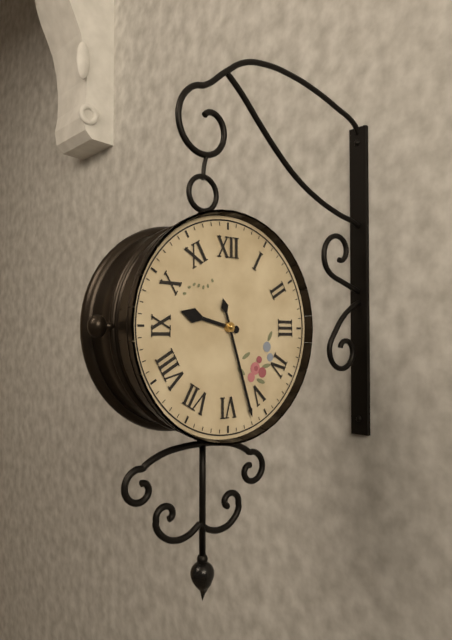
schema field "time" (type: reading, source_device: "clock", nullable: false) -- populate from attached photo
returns 9:27
